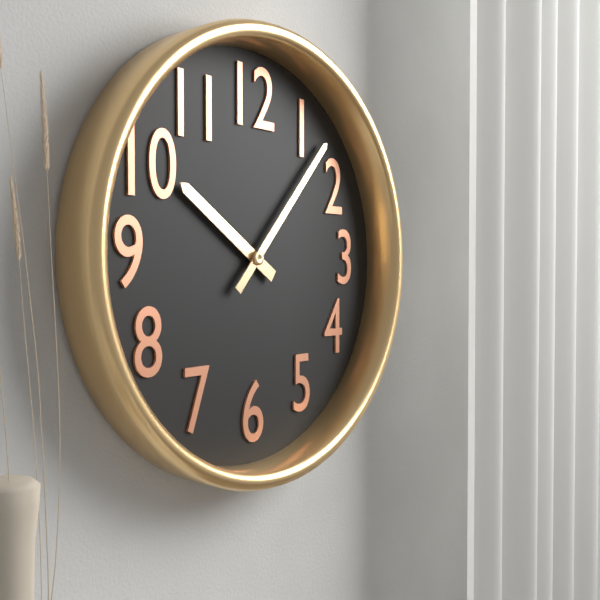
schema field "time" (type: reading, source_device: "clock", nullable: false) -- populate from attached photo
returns 10:07
